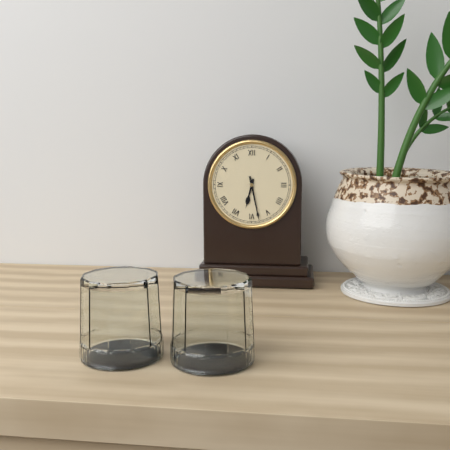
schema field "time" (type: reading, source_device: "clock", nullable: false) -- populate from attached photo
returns 6:28
